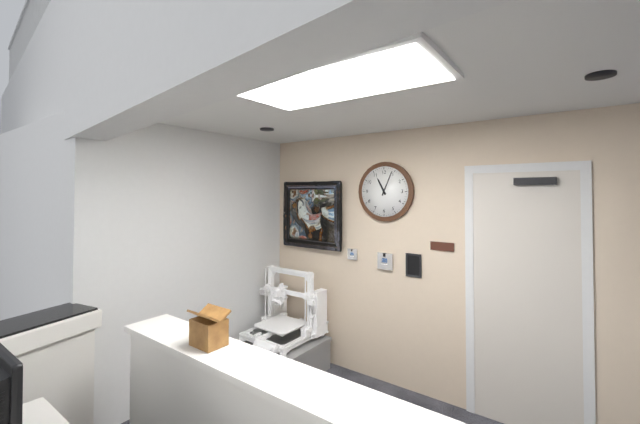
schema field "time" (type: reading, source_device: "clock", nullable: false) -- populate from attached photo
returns 11:04
